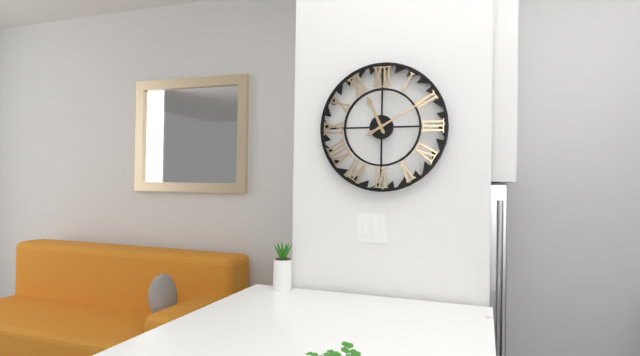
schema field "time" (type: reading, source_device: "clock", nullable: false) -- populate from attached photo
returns 11:10
